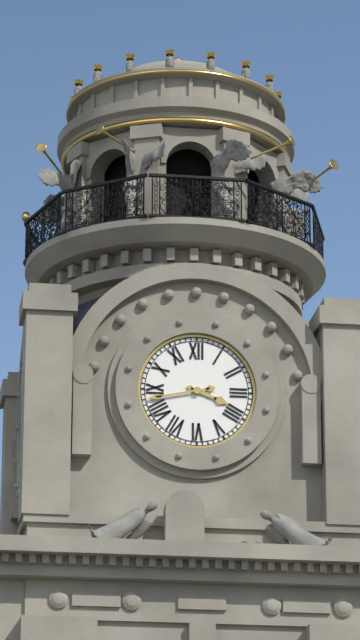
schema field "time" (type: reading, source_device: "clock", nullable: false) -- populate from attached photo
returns 3:43
